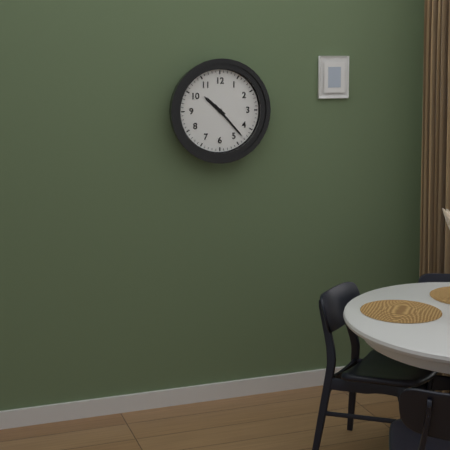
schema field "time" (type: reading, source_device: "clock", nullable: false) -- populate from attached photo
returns 10:23
